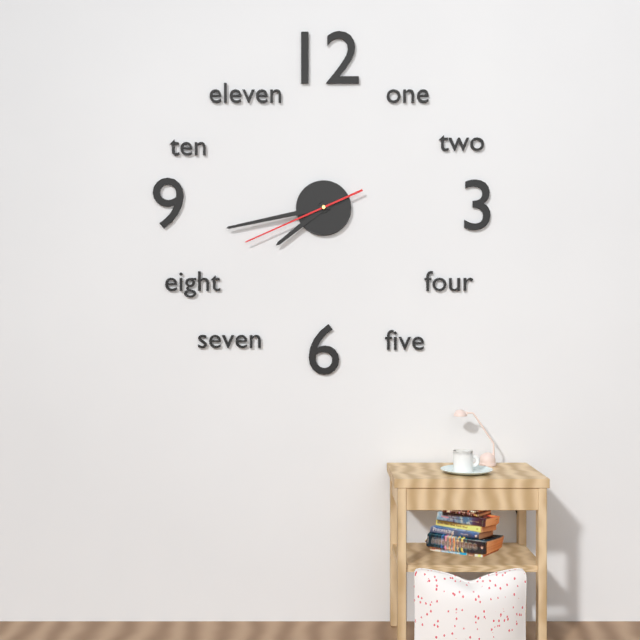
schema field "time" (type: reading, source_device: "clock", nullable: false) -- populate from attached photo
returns 7:43:41
